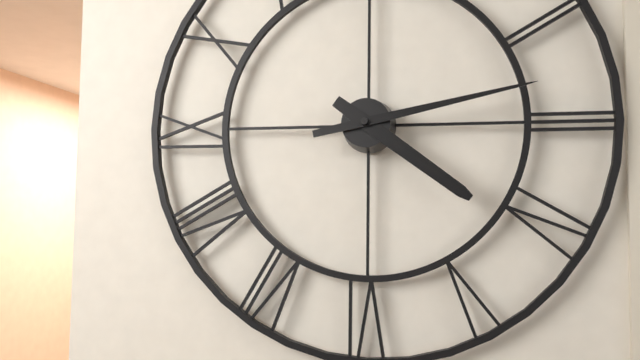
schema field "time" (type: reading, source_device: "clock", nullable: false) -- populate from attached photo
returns 4:13
